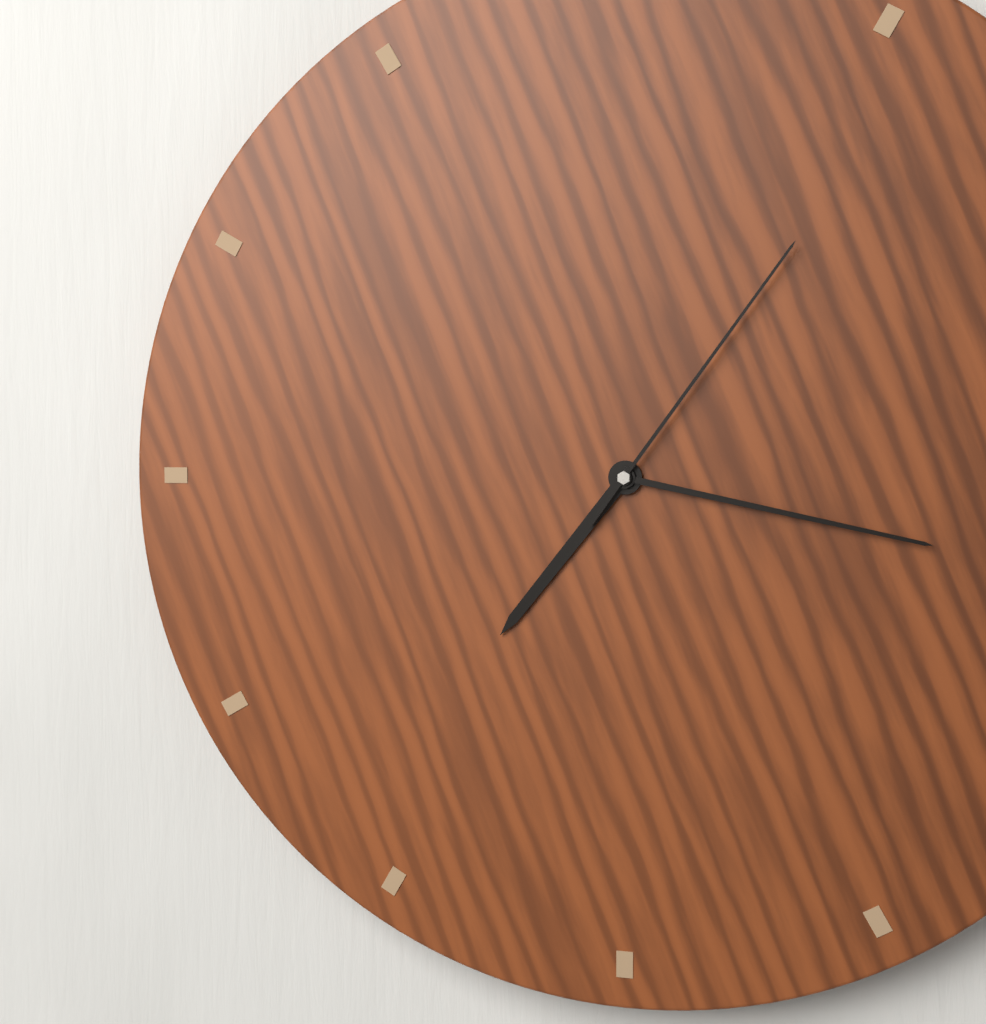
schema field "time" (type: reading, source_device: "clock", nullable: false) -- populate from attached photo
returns 7:17:06
